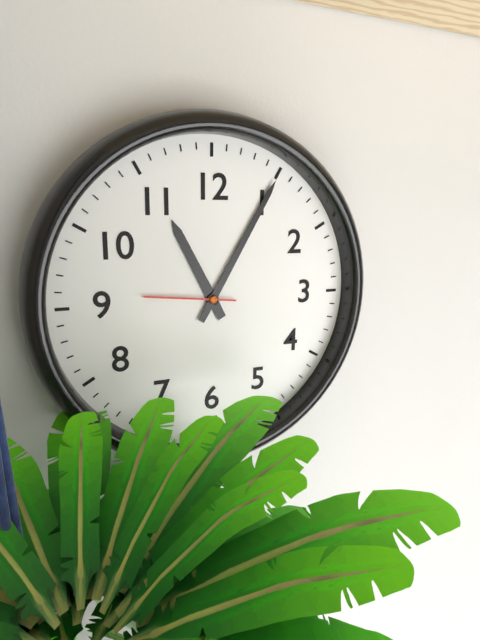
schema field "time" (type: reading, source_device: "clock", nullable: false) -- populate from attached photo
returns 11:05:46
